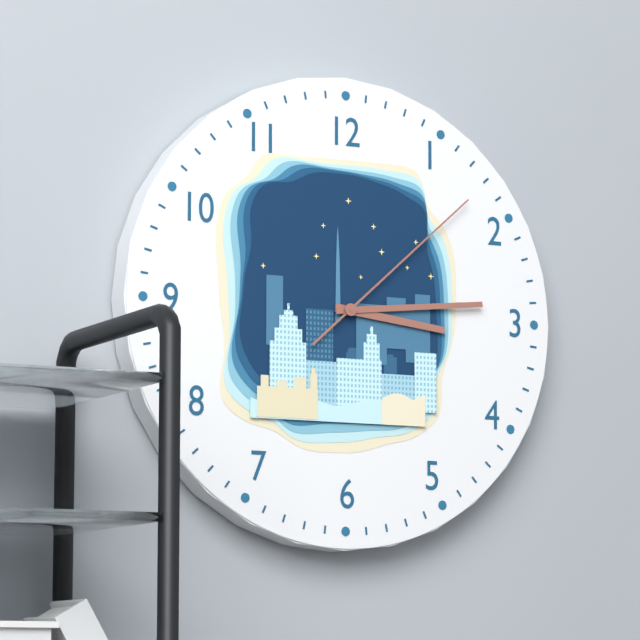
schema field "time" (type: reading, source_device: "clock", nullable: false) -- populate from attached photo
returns 3:14:08
